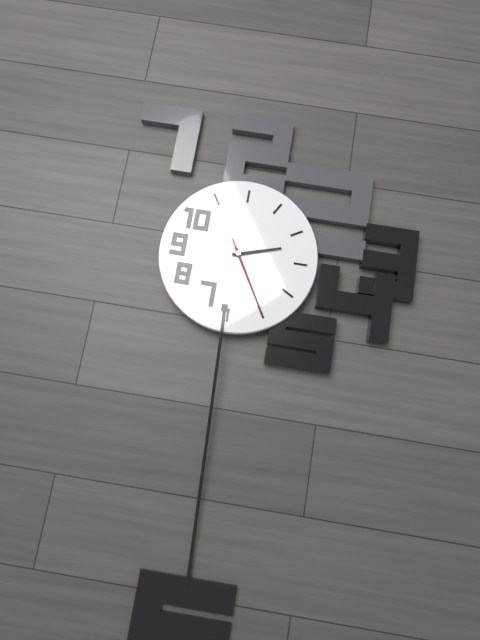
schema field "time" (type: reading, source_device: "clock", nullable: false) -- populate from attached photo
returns 2:25:25
